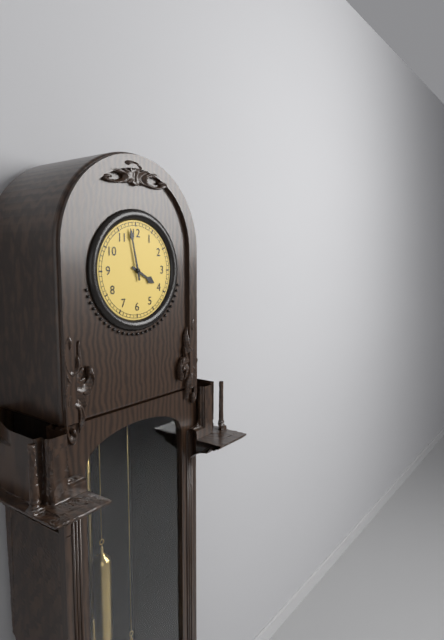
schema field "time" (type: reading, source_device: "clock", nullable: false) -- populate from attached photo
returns 3:58
